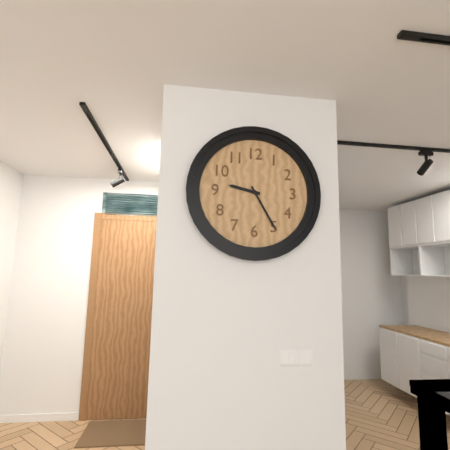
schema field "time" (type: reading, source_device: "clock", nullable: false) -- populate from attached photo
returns 9:25
